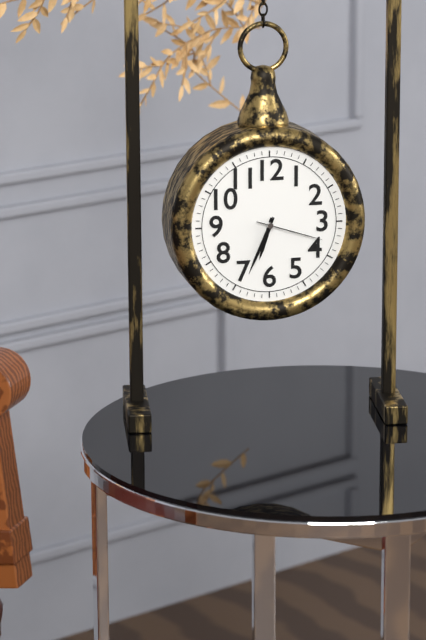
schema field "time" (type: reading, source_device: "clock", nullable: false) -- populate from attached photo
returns 6:34:18
